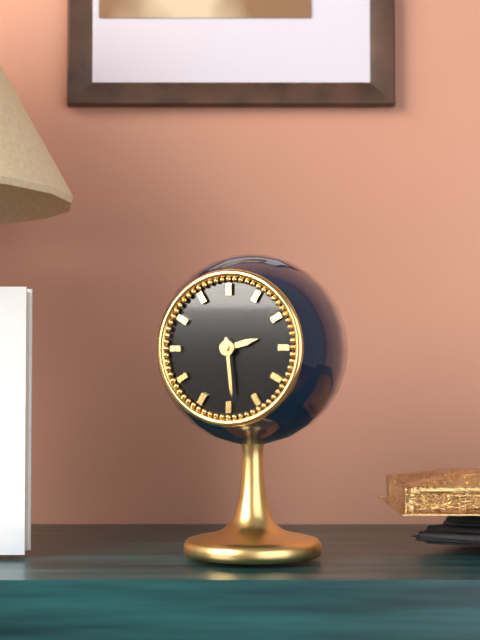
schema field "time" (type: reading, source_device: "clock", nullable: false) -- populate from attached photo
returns 2:29
